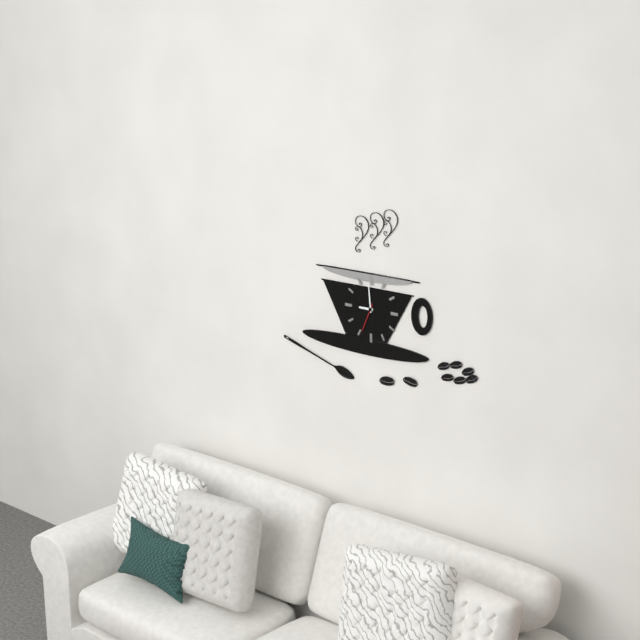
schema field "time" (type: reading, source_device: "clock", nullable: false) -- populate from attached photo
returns 8:59
